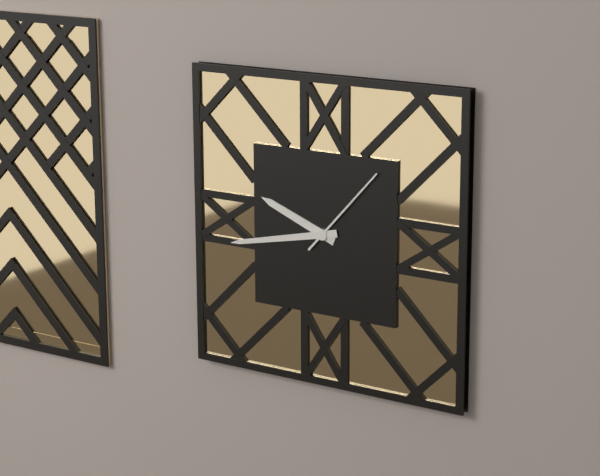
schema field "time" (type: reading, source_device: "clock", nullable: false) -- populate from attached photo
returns 9:43:07
